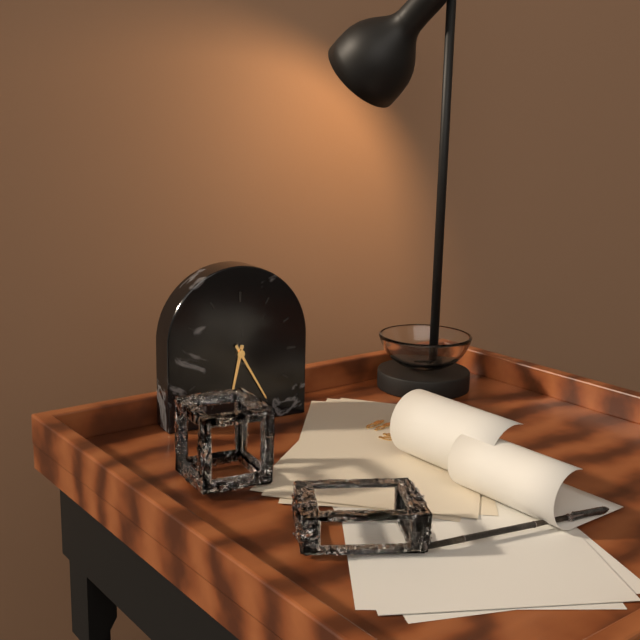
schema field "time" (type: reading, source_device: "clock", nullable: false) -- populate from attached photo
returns 6:25
